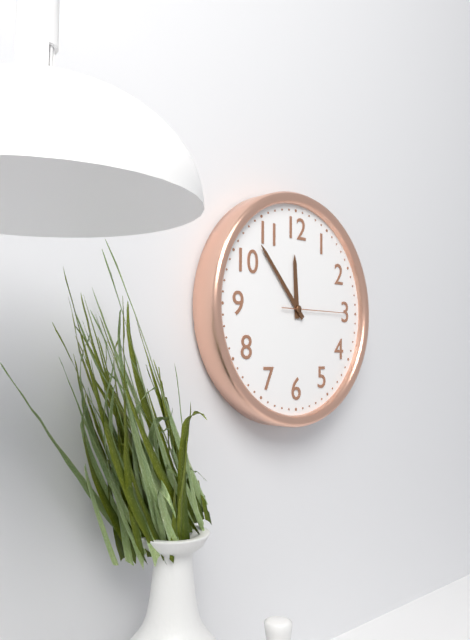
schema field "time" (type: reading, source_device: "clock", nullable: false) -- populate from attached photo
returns 11:53:15
